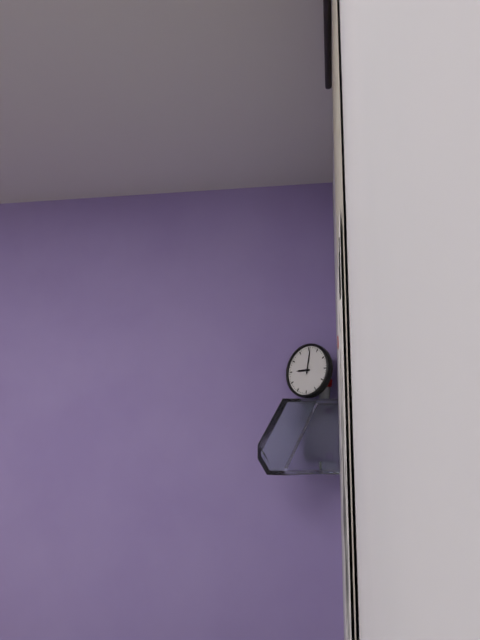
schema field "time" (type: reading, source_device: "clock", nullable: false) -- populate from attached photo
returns 9:01
